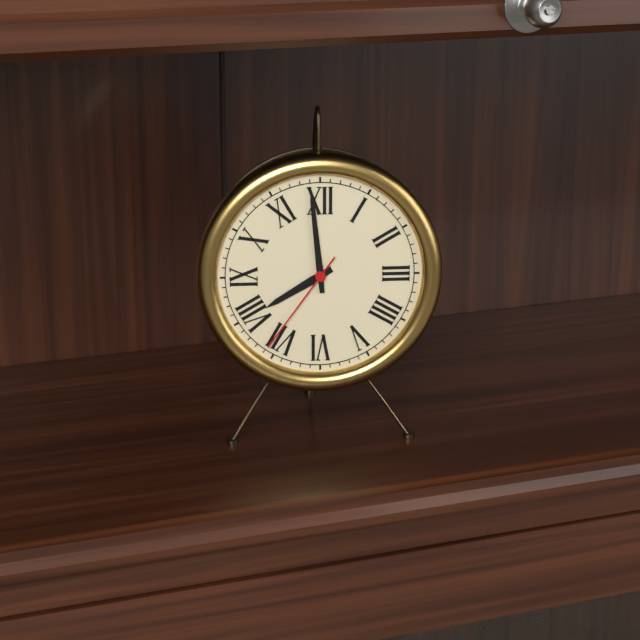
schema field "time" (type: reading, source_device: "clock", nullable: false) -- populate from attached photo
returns 7:59:36
